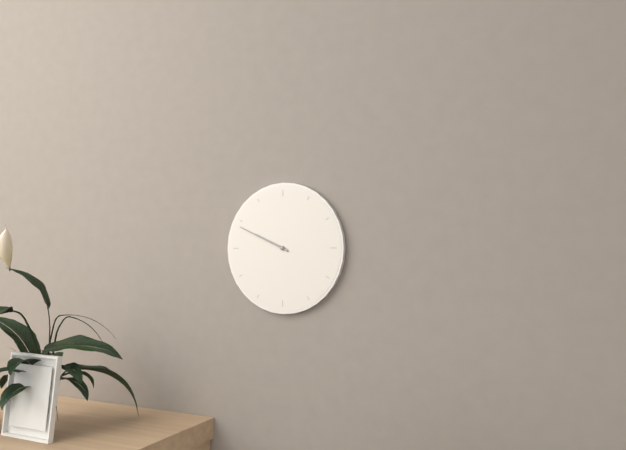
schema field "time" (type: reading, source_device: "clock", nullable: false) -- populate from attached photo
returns 9:49
